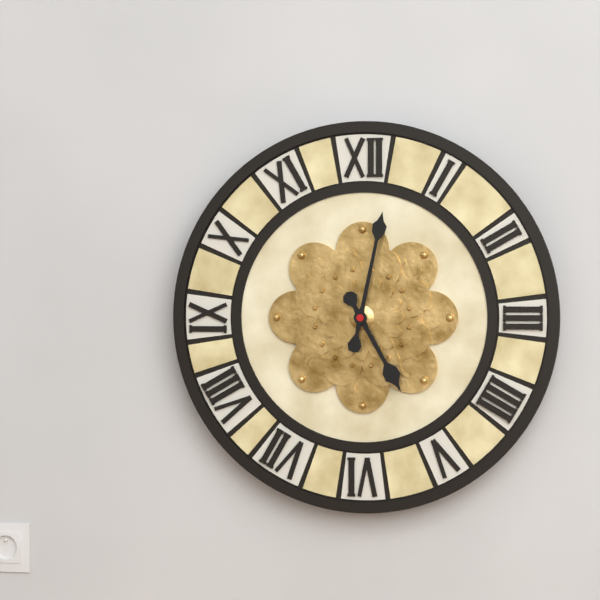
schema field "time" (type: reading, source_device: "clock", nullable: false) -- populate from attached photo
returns 5:02
